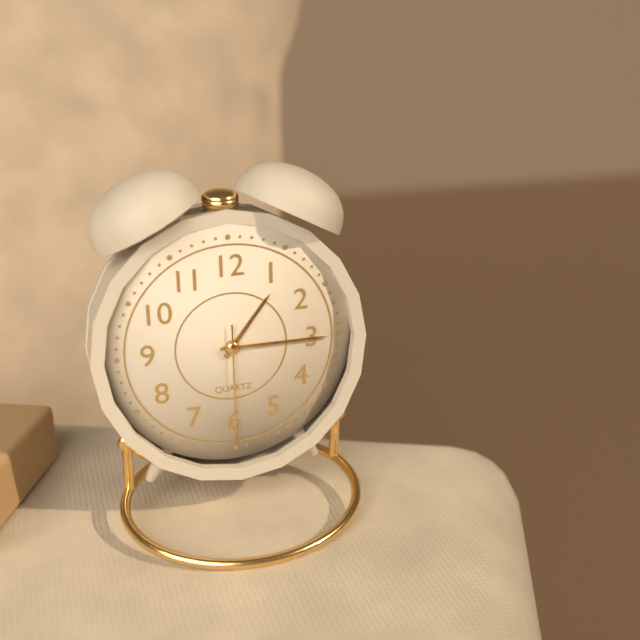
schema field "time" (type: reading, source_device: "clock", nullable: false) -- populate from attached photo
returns 1:15:30
